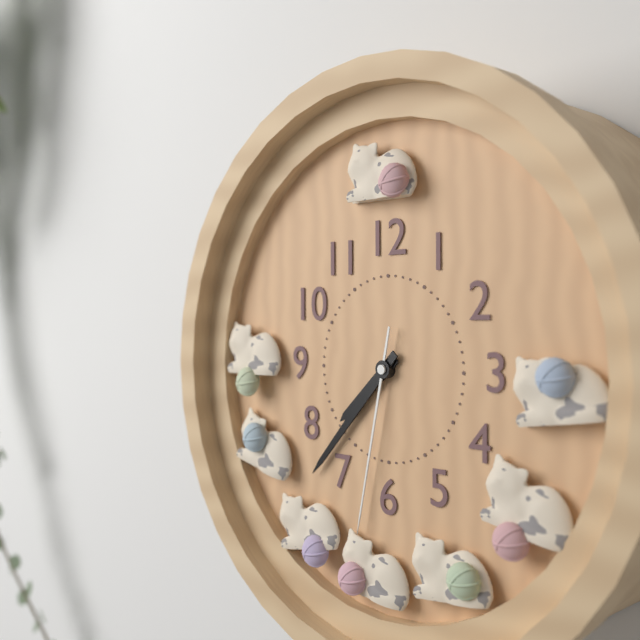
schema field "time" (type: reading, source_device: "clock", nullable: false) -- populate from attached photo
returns 7:37:32
